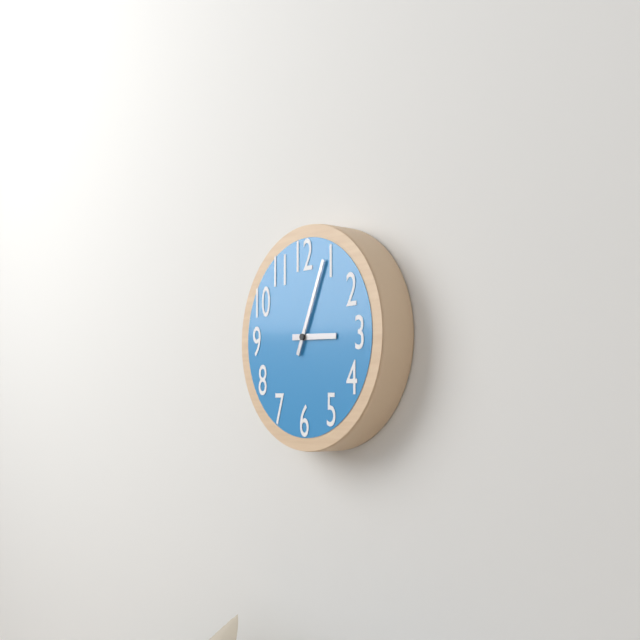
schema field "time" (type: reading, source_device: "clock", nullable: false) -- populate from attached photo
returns 3:04
